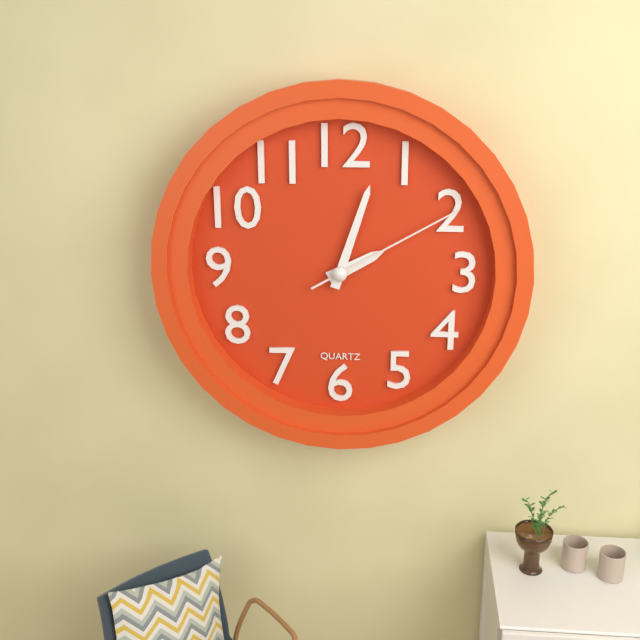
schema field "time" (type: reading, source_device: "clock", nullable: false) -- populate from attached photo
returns 2:03:10
